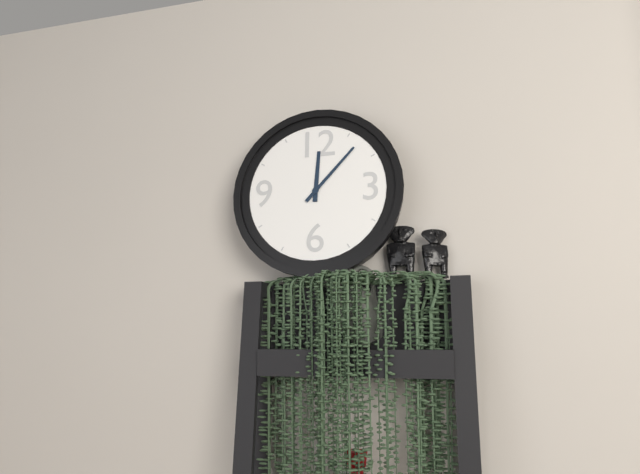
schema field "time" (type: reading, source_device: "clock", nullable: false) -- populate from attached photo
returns 12:07
